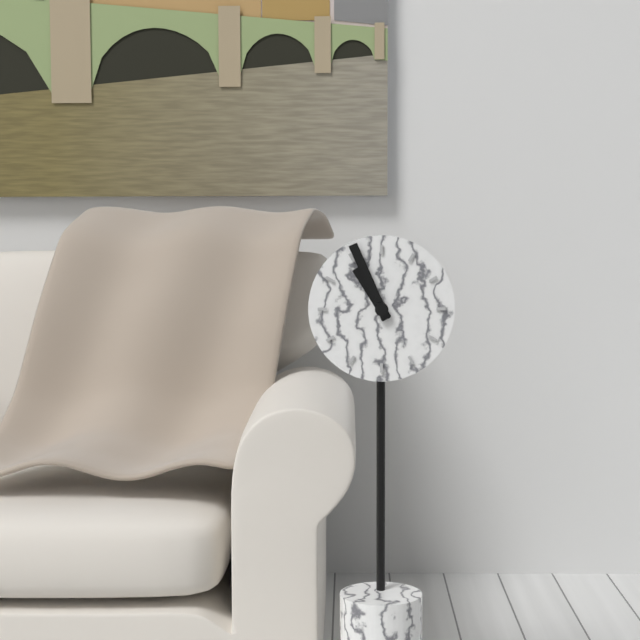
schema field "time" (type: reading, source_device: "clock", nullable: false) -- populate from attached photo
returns 10:56
